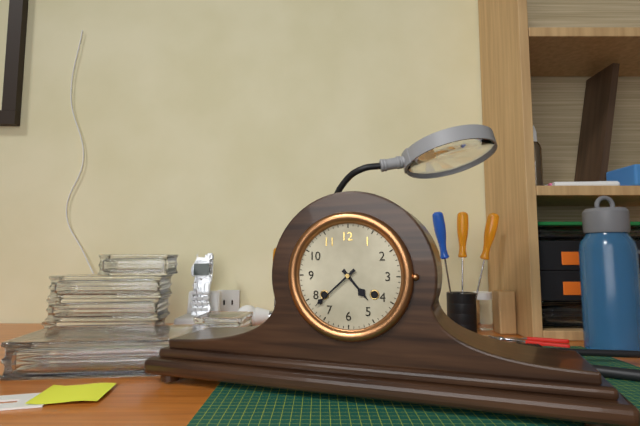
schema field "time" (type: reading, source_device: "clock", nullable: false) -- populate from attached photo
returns 4:38
